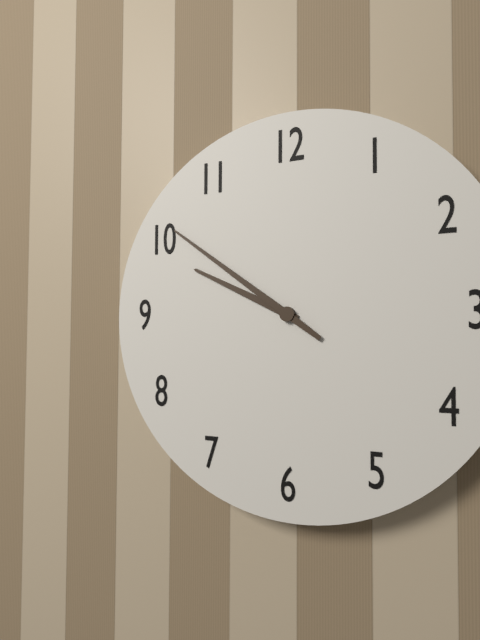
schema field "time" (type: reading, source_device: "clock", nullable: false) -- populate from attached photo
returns 9:51
